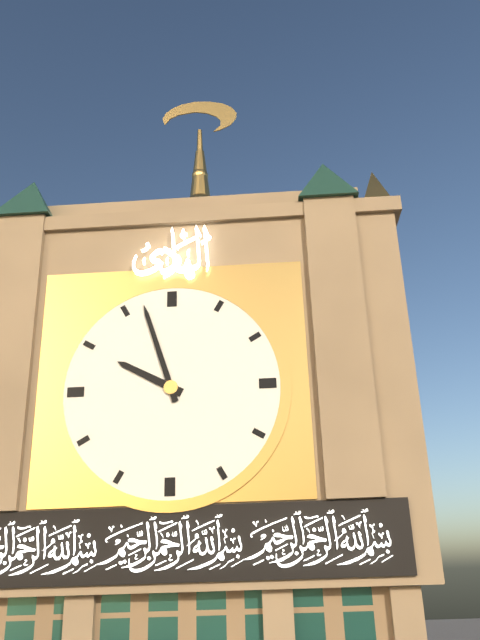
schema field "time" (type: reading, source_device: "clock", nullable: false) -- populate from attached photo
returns 9:57
